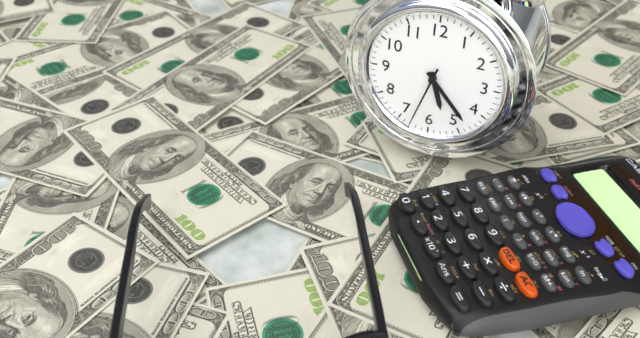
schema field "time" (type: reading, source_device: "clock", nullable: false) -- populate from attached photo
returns 5:23:33
